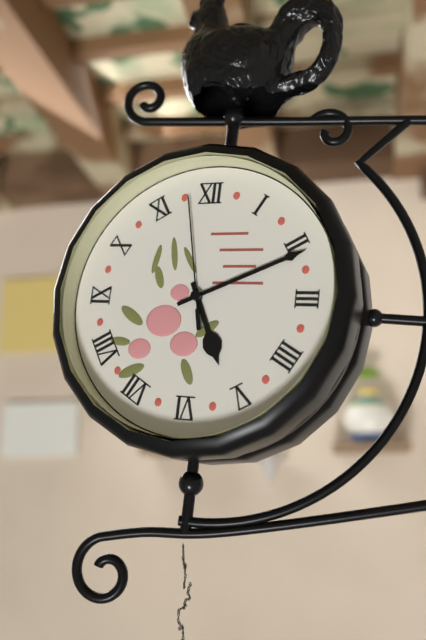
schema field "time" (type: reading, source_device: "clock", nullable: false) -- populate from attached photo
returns 5:11:58
